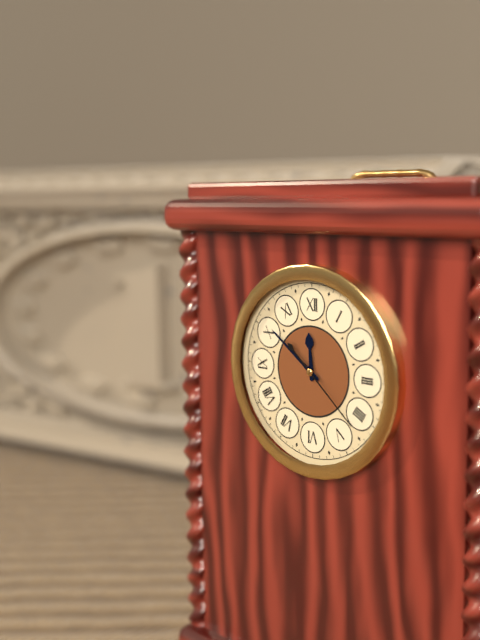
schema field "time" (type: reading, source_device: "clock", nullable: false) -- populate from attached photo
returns 11:51:22
